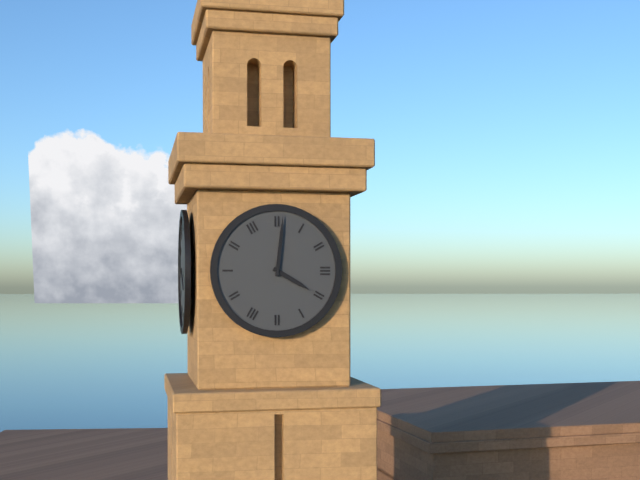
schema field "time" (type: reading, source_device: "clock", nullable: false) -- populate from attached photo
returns 4:01
